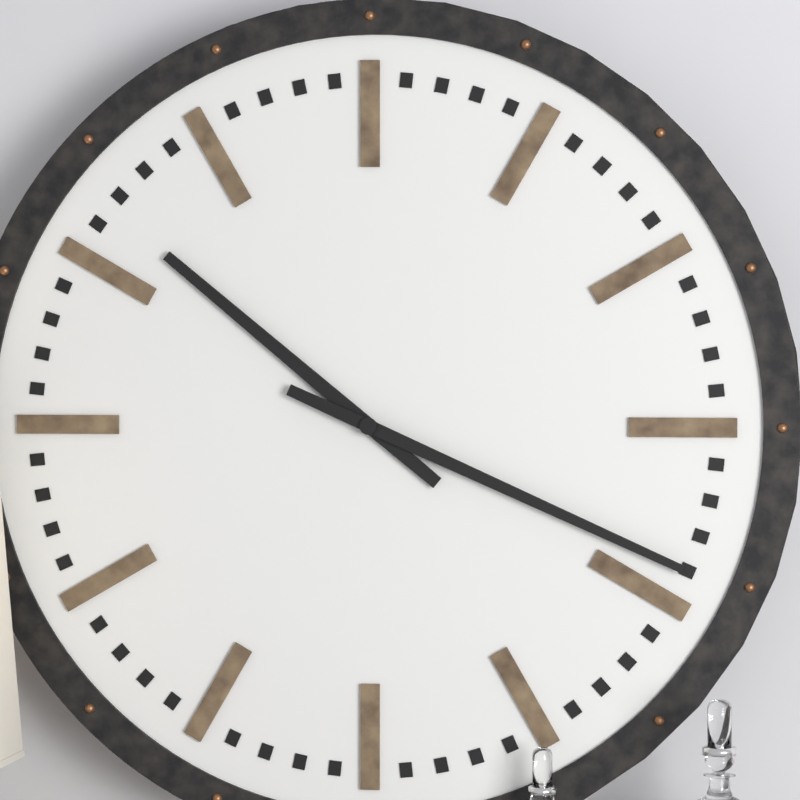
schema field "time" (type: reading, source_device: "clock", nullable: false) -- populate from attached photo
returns 10:19
